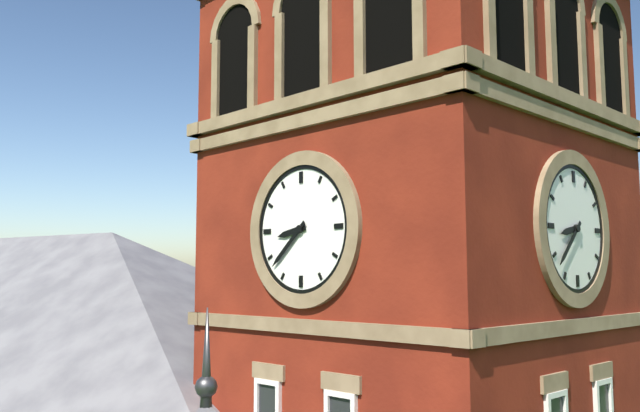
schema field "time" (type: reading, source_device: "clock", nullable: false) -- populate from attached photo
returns 8:38
